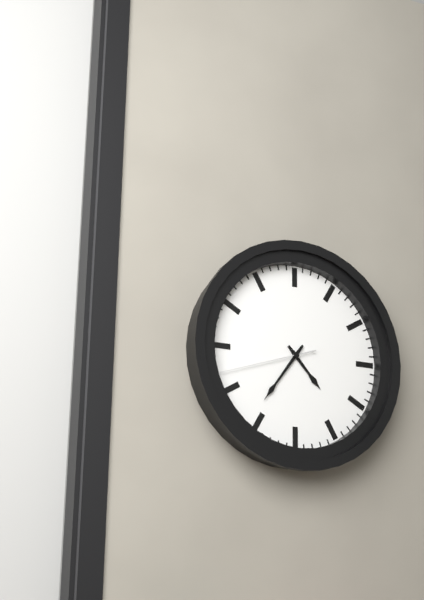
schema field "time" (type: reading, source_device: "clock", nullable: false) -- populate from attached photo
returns 4:36:42
